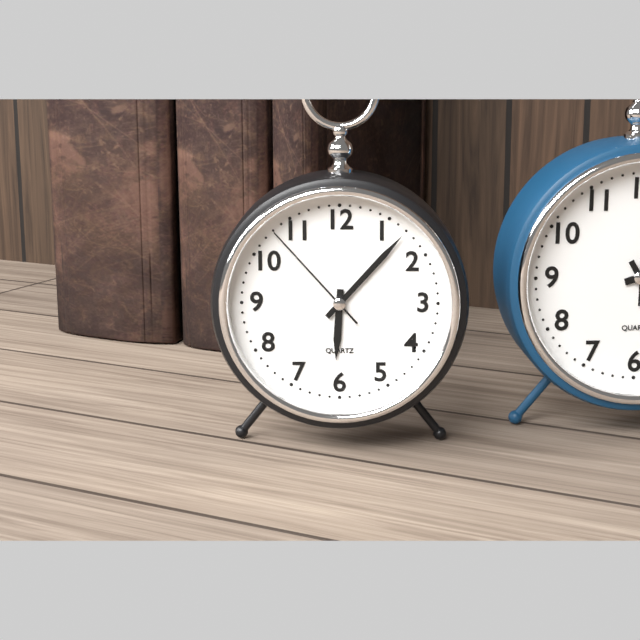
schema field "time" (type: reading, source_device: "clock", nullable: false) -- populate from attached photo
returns 6:07:53
